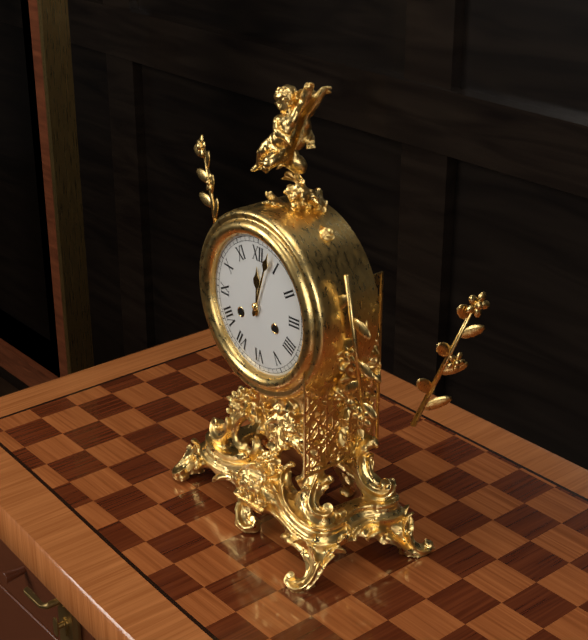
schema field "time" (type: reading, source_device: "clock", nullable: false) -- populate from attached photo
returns 12:03
